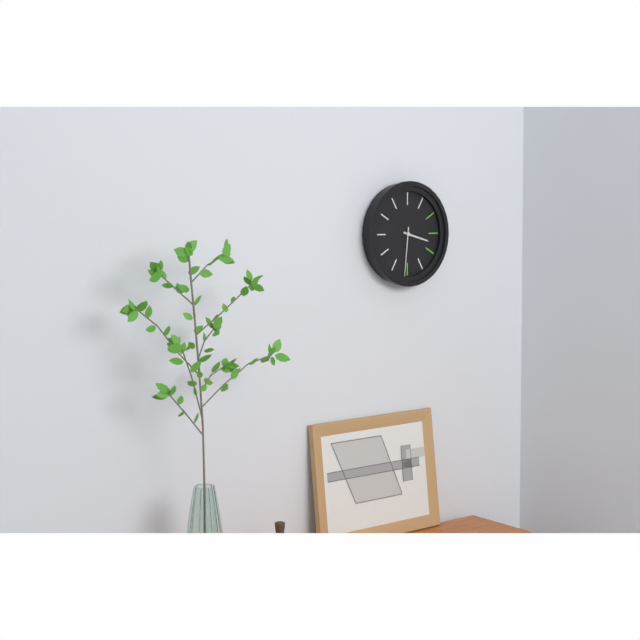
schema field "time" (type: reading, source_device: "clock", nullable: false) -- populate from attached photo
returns 3:31
